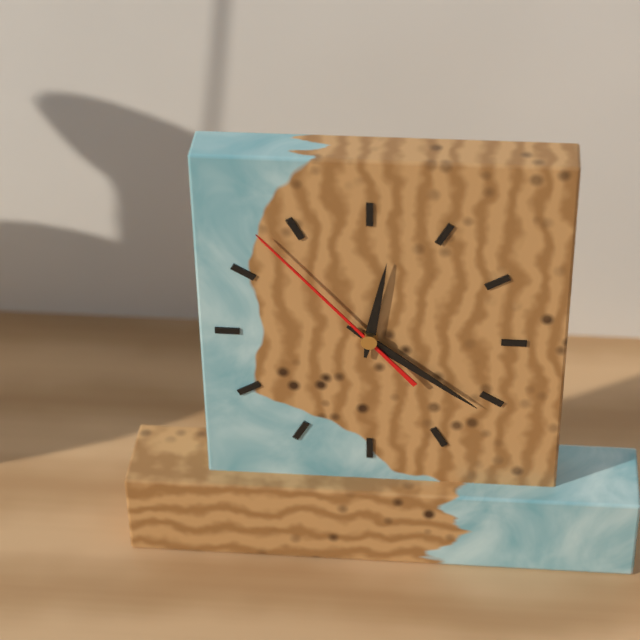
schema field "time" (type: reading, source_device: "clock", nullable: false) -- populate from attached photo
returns 12:21:53
